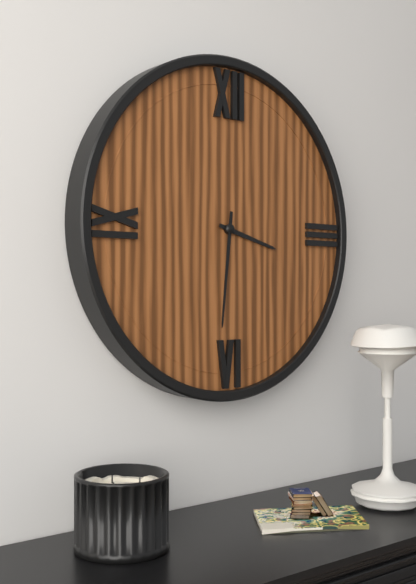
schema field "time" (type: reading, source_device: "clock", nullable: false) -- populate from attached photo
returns 3:31
